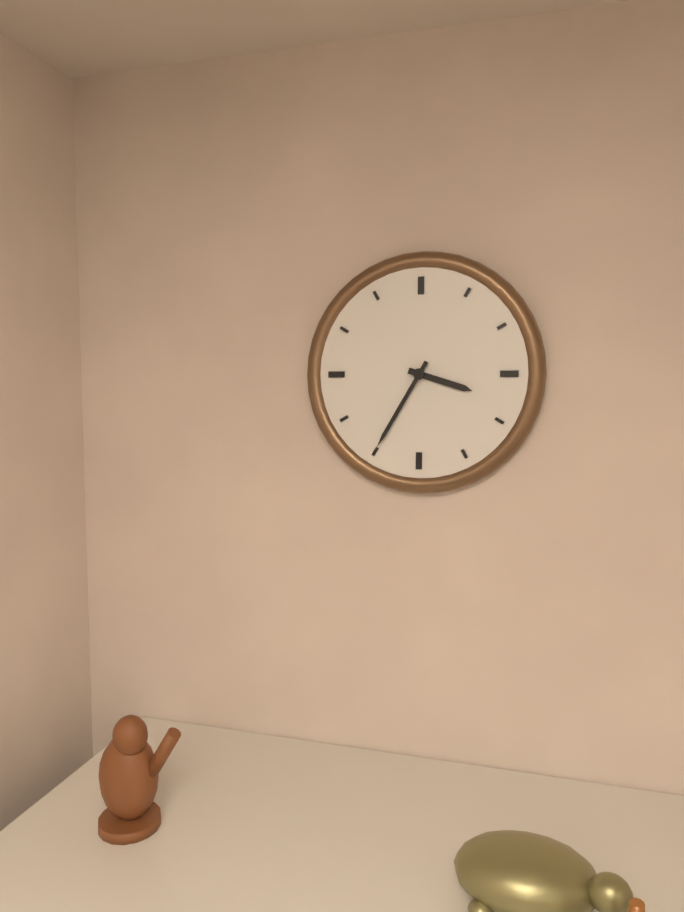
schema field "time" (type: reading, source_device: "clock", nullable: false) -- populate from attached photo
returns 3:35
